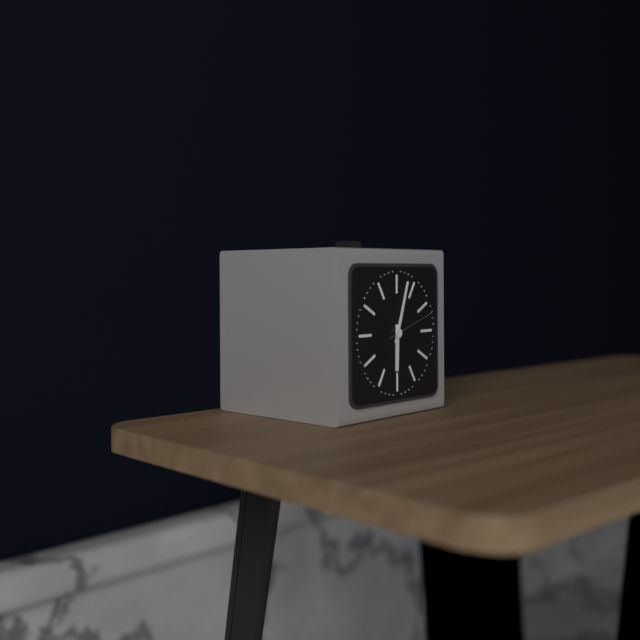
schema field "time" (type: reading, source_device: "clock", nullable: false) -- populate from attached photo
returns 6:03:12
